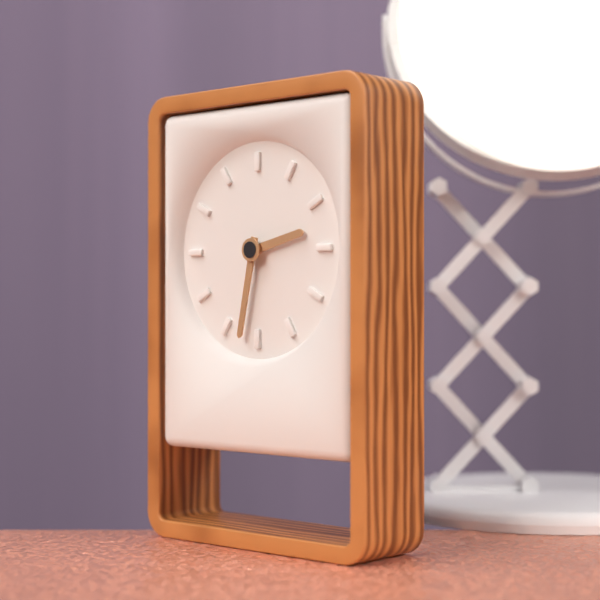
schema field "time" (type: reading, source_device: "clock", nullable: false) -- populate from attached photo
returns 2:32
